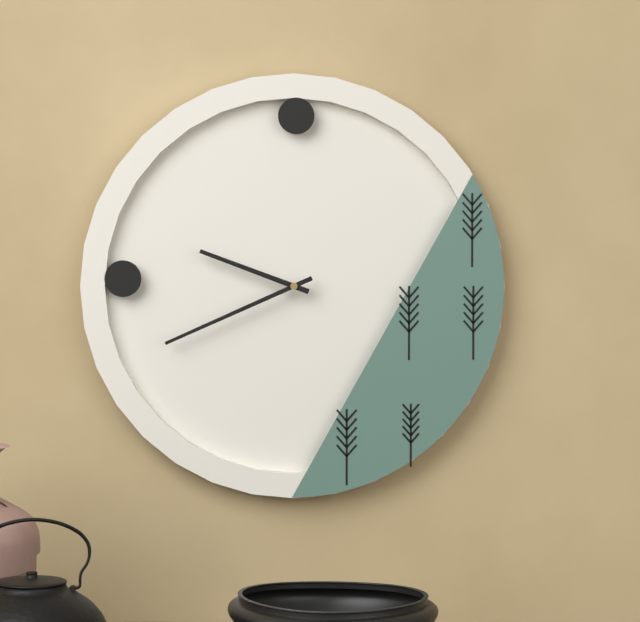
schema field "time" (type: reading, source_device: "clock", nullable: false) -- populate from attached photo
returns 9:41
